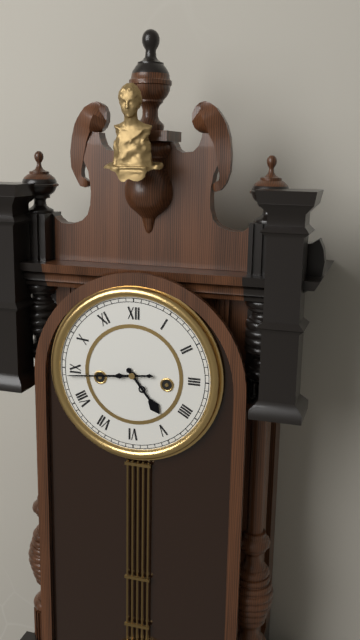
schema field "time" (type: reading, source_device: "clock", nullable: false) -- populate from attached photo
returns 4:44
